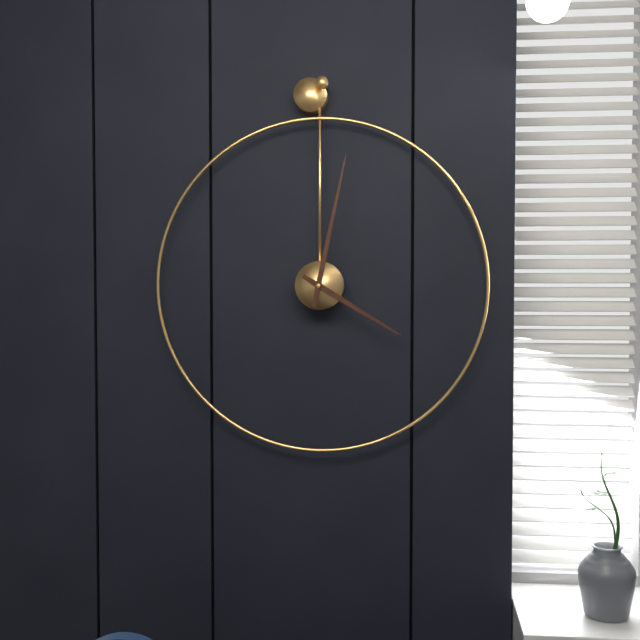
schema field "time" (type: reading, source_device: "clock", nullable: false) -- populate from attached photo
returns 4:02
